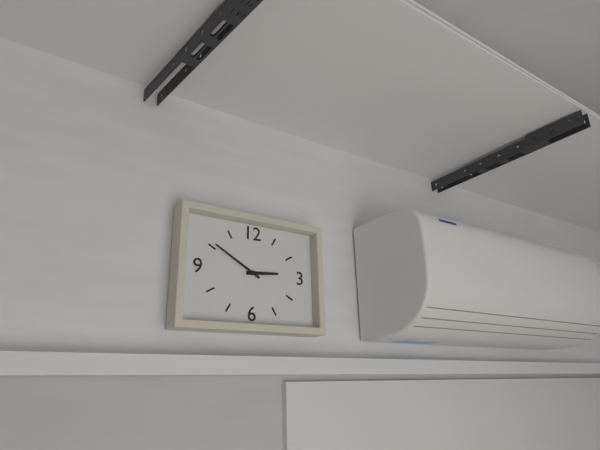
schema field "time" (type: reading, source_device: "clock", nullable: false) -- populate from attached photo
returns 2:50
